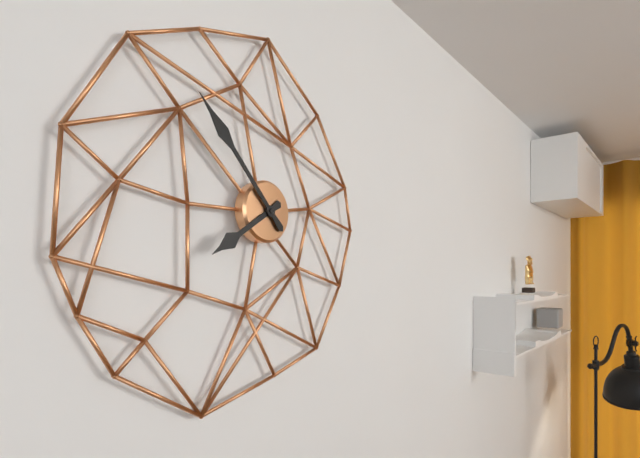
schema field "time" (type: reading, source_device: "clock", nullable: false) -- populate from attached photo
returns 7:53
